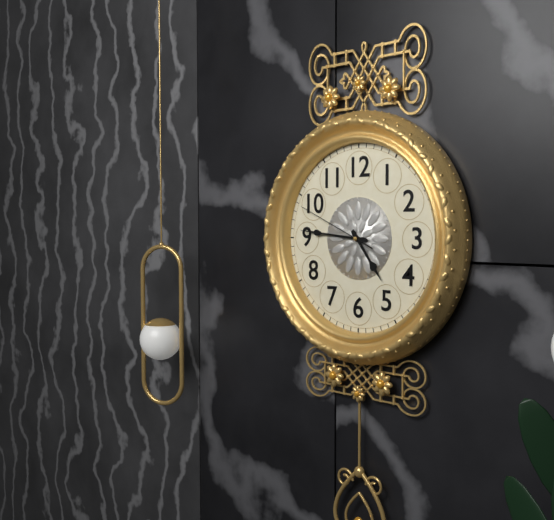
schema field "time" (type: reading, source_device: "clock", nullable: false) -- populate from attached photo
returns 4:46:49
